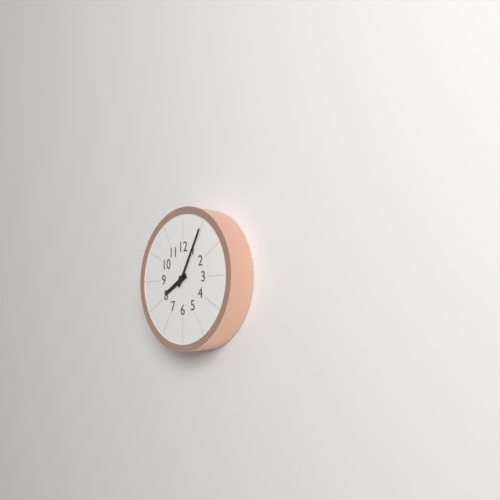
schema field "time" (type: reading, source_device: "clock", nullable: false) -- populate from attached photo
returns 8:05
